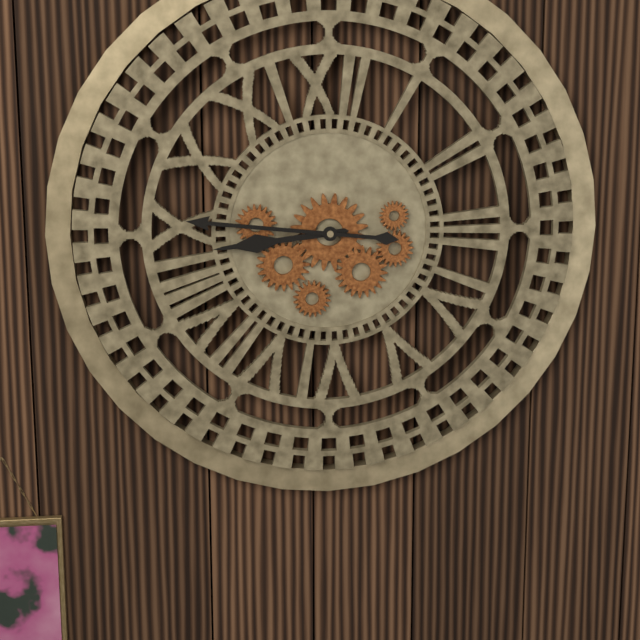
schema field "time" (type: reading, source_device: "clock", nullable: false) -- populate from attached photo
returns 8:46
